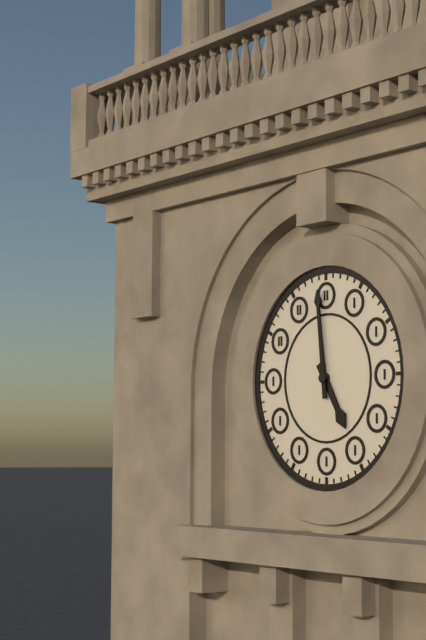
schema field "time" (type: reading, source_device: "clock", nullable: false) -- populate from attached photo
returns 4:59
